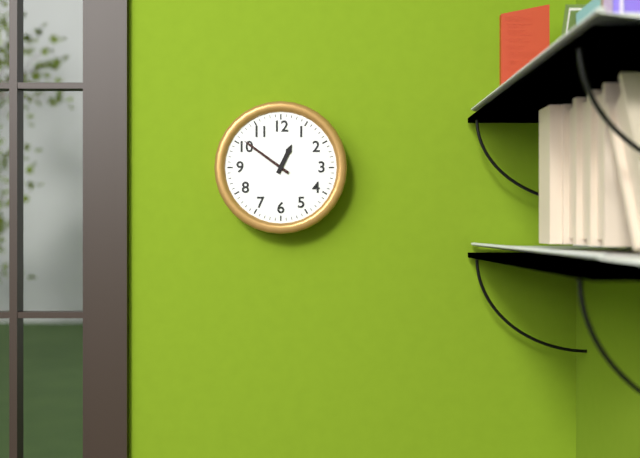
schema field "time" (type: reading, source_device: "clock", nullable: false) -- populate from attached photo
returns 12:51
